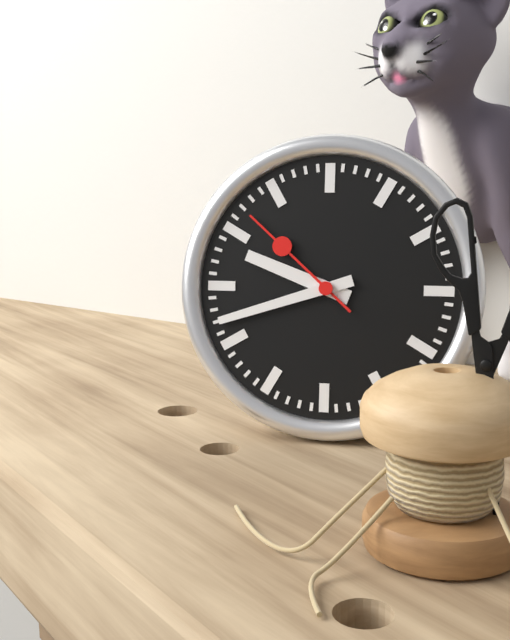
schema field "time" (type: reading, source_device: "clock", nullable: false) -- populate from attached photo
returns 9:42:52
